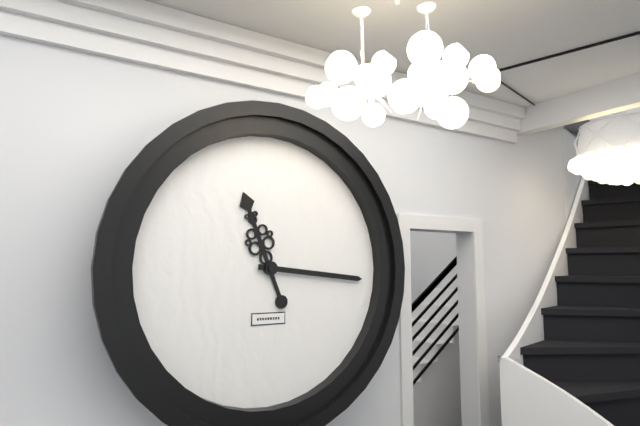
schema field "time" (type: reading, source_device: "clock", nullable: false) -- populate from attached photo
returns 11:16
